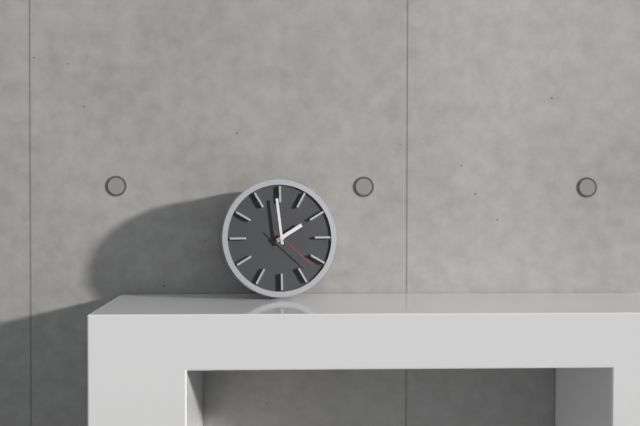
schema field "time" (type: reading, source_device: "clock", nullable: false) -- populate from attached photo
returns 1:59:22
